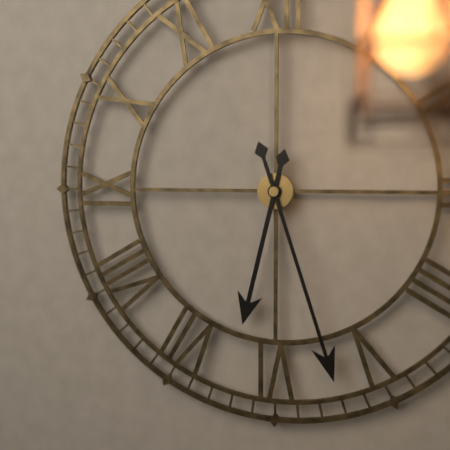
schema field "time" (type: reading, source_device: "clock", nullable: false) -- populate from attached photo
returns 6:27
